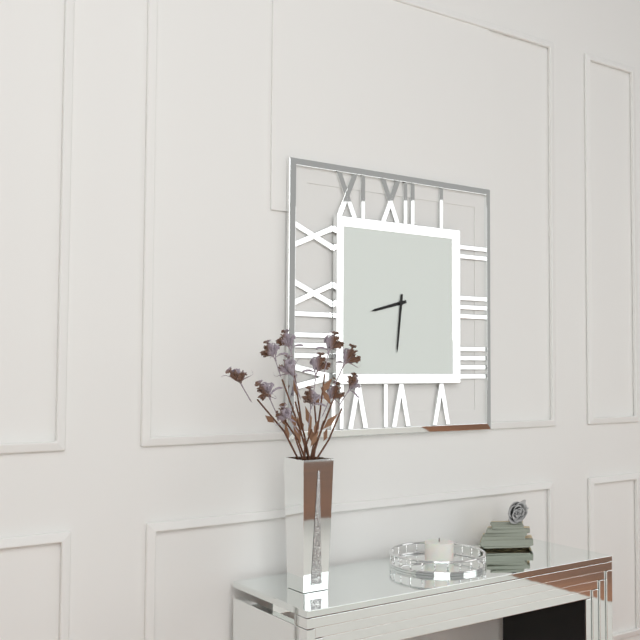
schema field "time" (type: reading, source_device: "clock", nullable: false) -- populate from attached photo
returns 8:31
